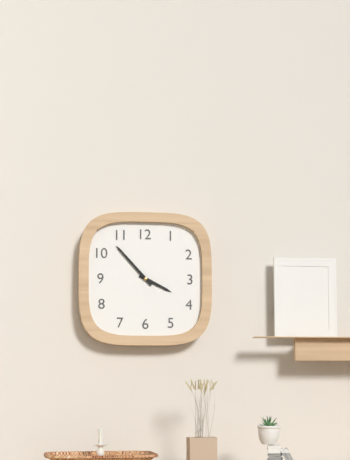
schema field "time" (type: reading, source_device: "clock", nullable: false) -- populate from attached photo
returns 3:53
